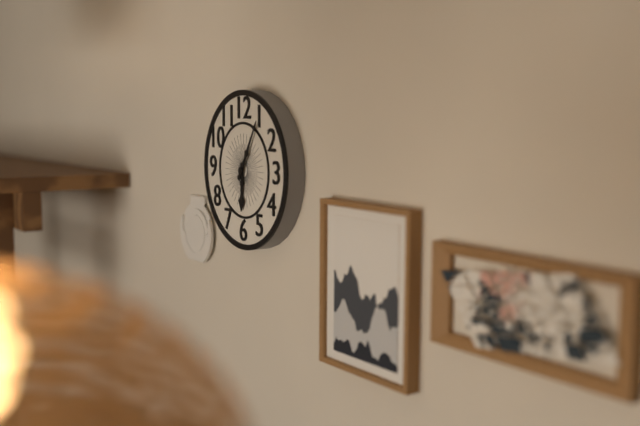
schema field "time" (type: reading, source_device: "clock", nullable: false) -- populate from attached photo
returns 6:05
